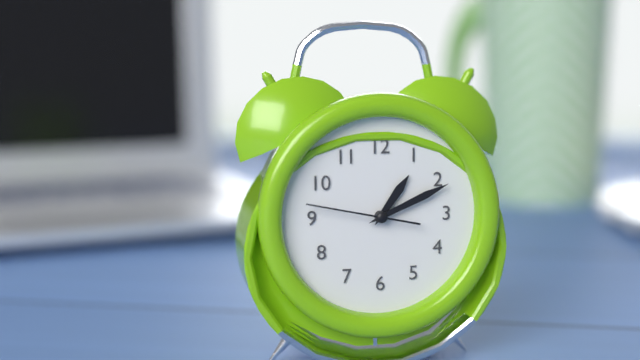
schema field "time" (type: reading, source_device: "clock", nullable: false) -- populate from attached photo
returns 1:11:47
